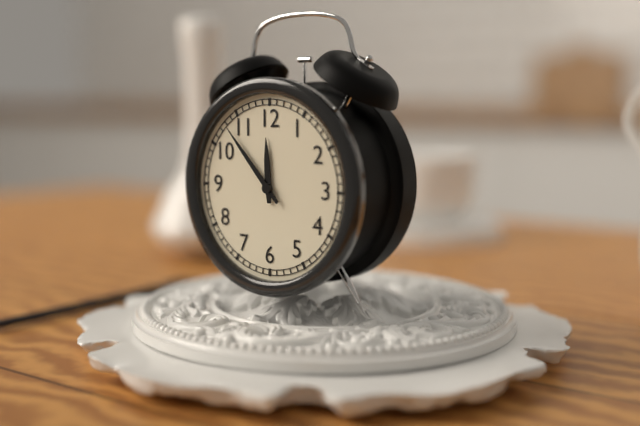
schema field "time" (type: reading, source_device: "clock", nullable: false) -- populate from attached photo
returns 11:53
